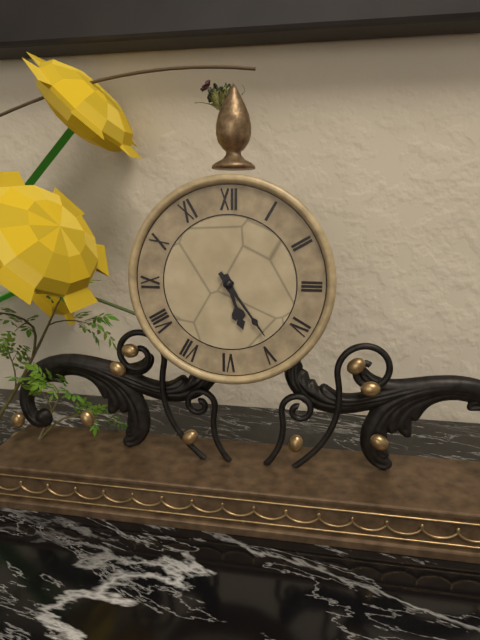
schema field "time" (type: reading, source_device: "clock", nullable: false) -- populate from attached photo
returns 5:24
